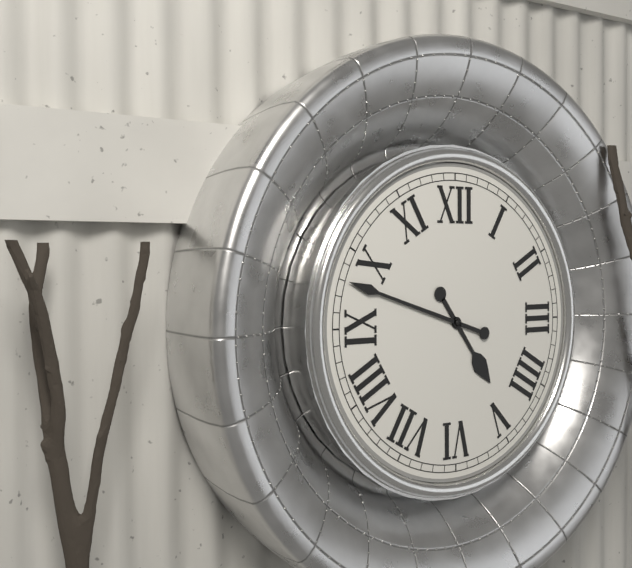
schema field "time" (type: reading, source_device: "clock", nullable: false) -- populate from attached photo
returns 4:48
